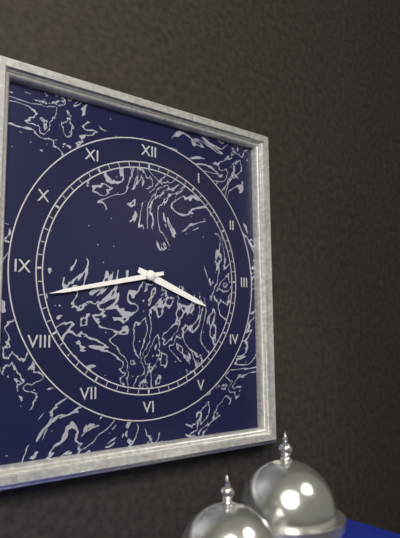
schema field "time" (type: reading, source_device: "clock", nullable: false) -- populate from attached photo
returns 3:43
